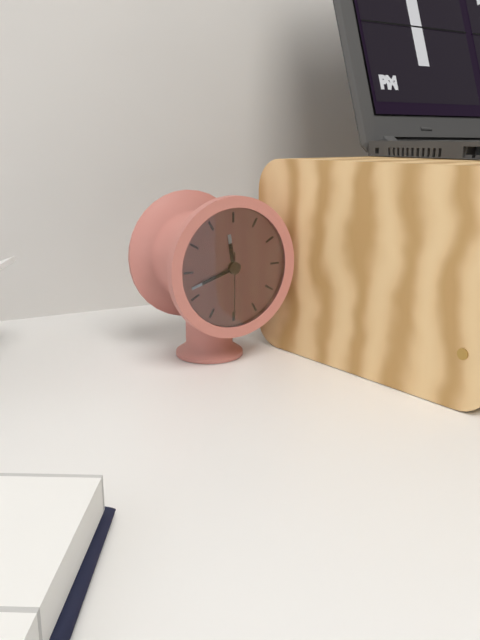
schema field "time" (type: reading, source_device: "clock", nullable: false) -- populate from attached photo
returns 11:42:30
